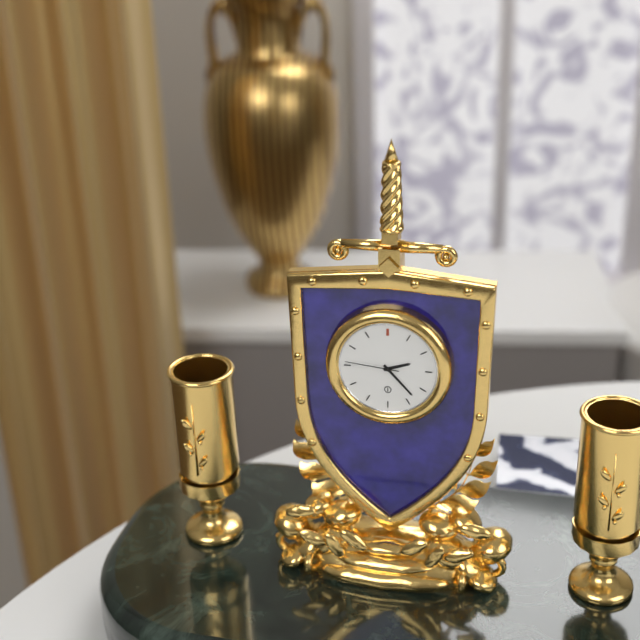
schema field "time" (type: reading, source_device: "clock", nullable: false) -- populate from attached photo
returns 2:23:46
